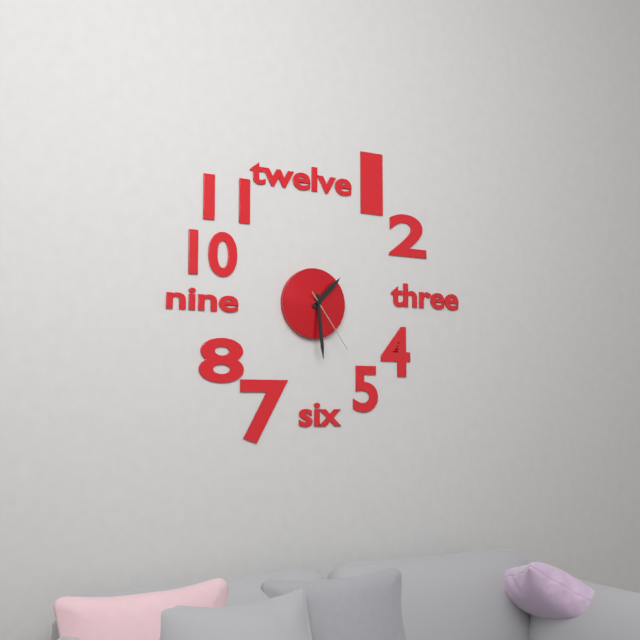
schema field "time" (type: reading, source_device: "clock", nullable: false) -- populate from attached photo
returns 1:29:24
